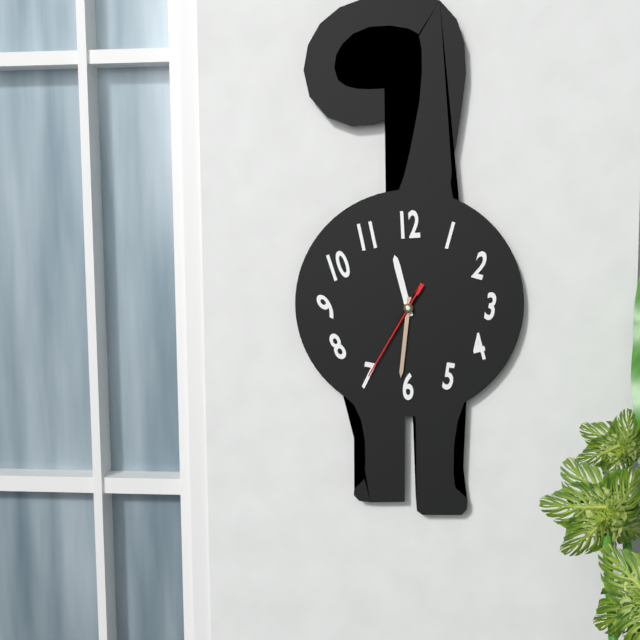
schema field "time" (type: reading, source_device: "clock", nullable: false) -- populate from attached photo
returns 11:31:35
